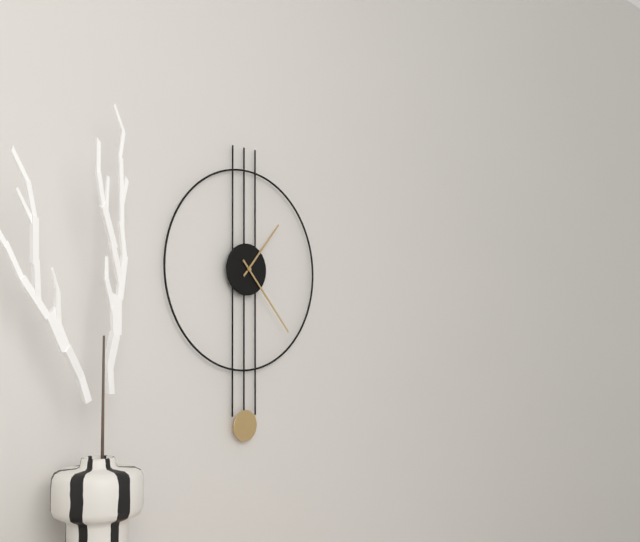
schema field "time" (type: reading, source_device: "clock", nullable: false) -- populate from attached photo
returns 1:23
